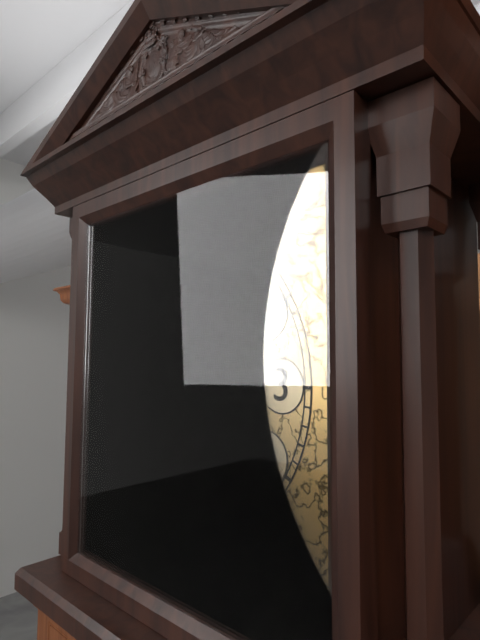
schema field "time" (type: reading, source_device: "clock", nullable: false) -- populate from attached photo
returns 1:52
